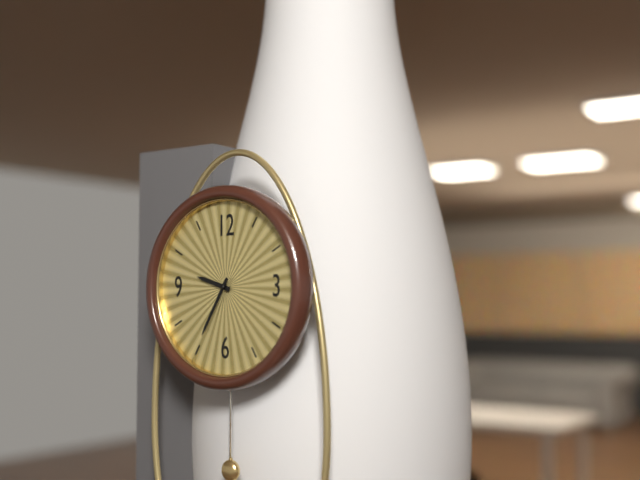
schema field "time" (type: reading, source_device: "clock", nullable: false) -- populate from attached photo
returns 9:35
